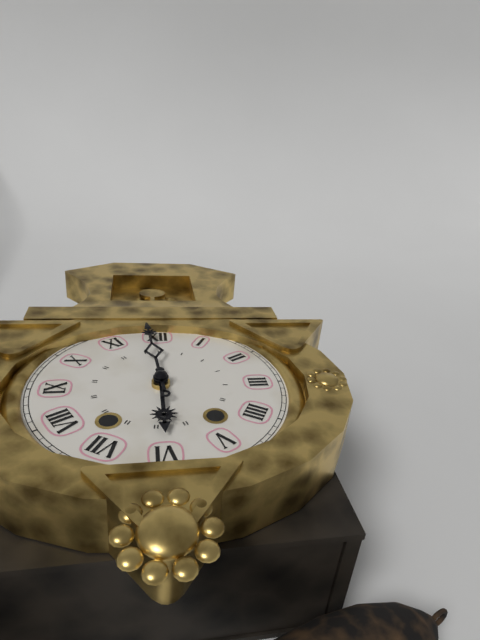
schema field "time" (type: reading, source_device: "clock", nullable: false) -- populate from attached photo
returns 5:59
